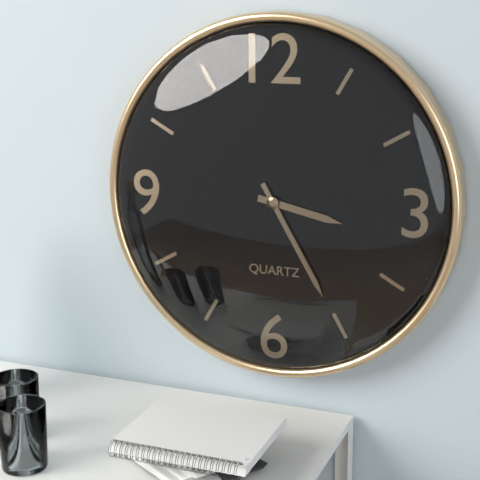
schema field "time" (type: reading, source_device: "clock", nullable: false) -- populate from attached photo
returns 3:25
